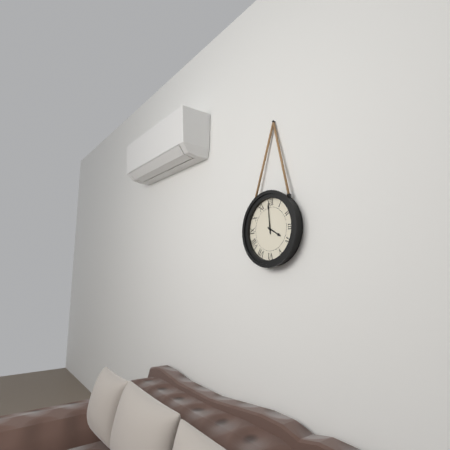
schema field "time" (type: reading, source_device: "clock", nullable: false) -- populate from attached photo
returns 3:59
